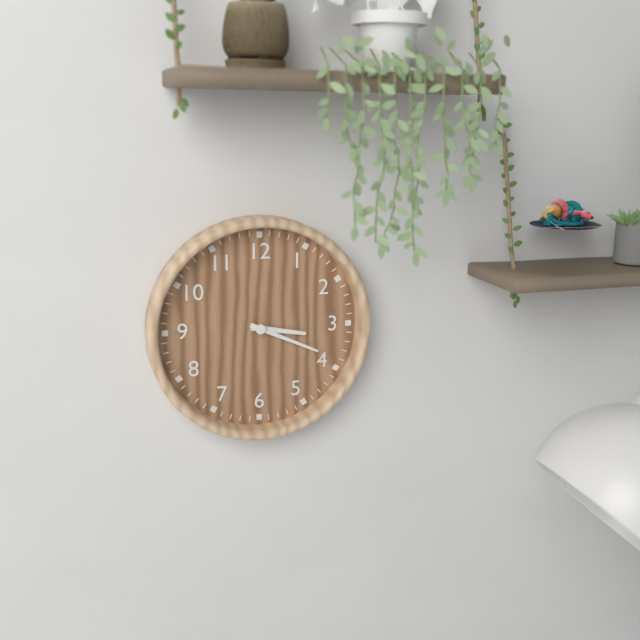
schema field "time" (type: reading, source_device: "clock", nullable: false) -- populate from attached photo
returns 3:19
